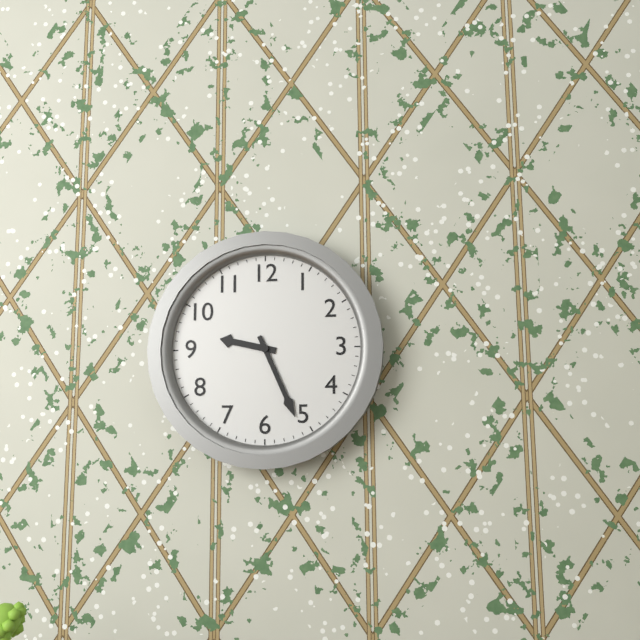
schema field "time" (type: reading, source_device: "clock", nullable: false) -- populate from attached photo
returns 9:26
